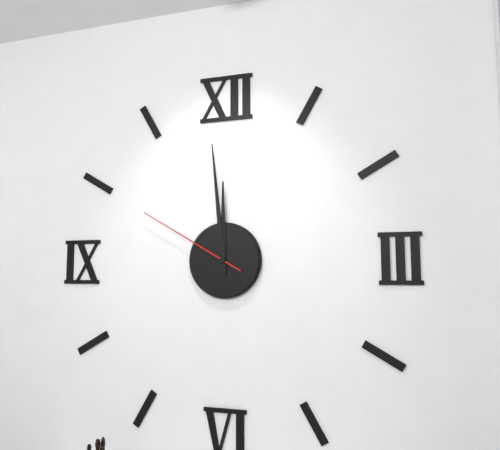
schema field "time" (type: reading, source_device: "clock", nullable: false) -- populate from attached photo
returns 11:59:50
